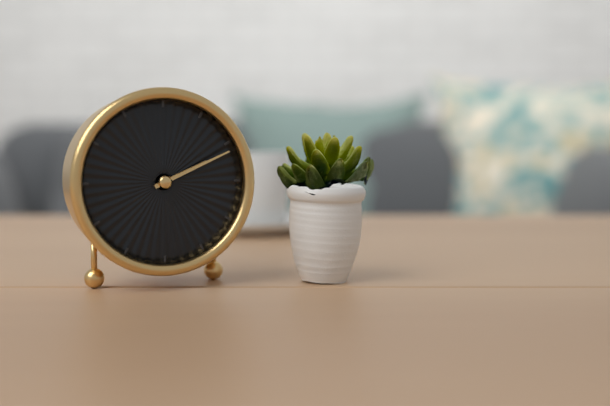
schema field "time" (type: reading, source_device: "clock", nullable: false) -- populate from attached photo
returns 2:11
